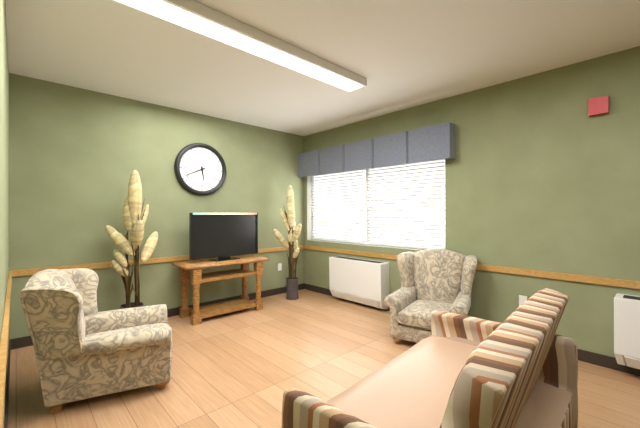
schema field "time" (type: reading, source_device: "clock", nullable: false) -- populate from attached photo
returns 5:41
